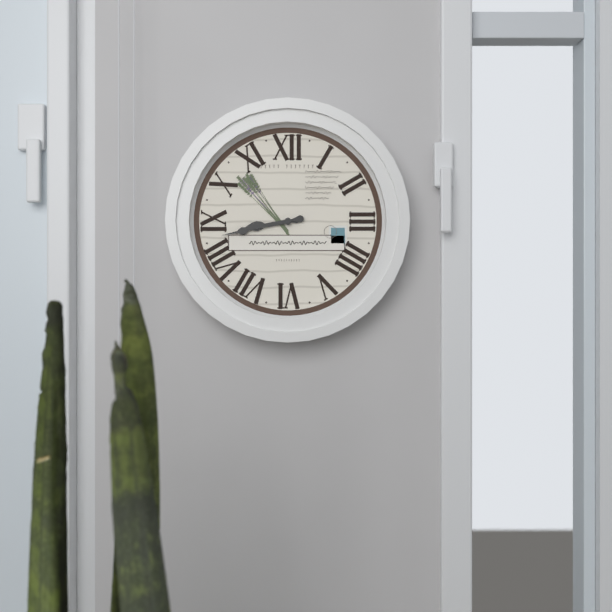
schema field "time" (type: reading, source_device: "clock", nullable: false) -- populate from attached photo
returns 8:43
